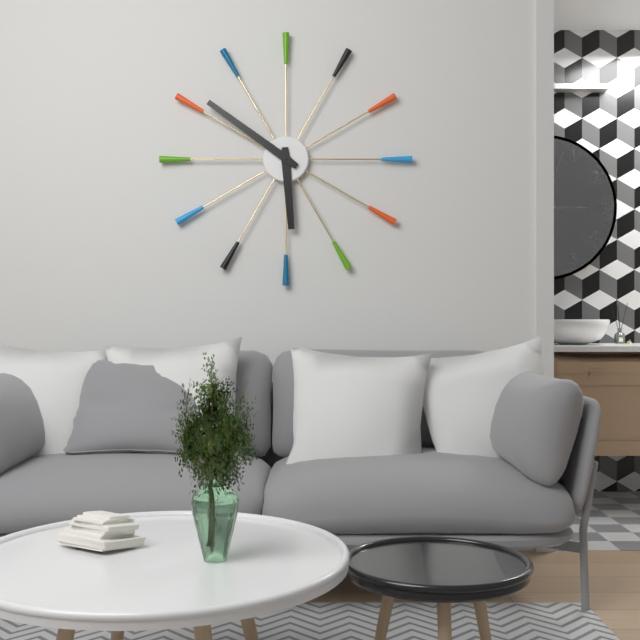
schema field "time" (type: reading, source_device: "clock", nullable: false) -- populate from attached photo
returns 5:51
